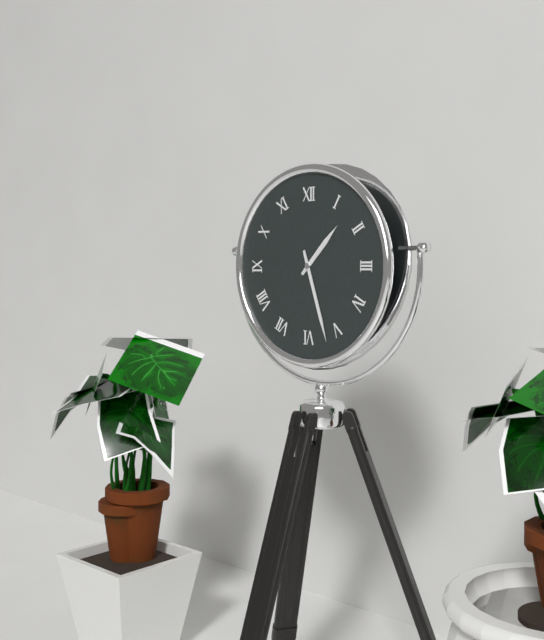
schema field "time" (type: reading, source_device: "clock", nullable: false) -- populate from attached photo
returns 1:27
